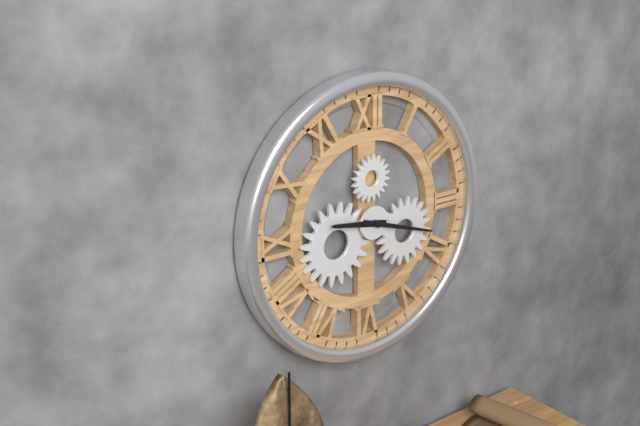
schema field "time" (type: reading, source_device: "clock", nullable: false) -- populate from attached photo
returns 9:18
